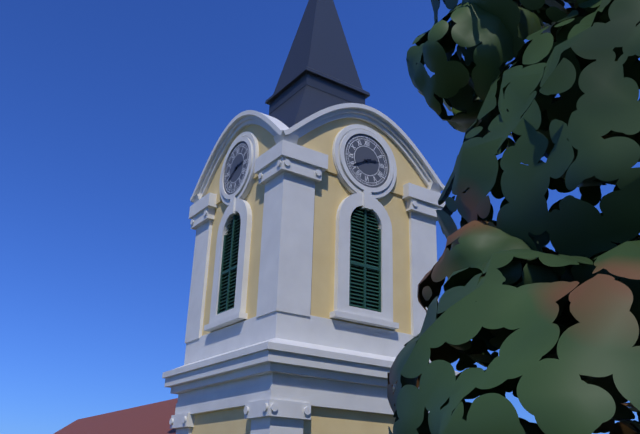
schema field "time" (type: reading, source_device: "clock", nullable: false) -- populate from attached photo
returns 2:40
